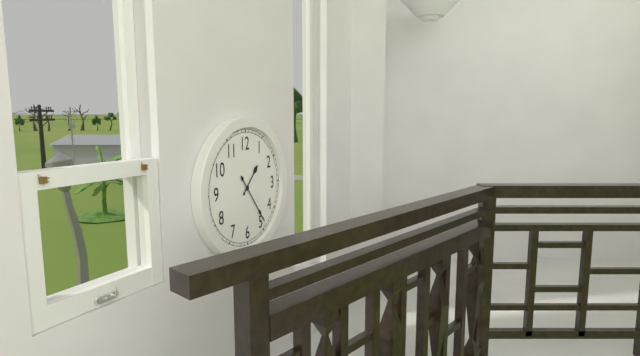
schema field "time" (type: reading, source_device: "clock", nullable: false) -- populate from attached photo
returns 1:24
